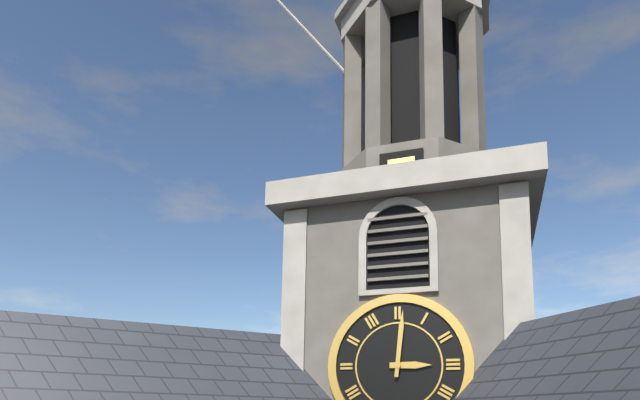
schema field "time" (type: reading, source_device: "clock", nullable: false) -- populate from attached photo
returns 3:01
